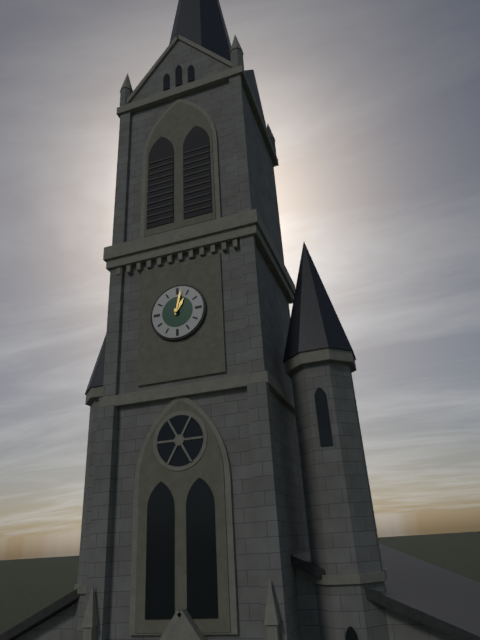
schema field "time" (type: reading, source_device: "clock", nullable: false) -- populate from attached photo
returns 1:02
